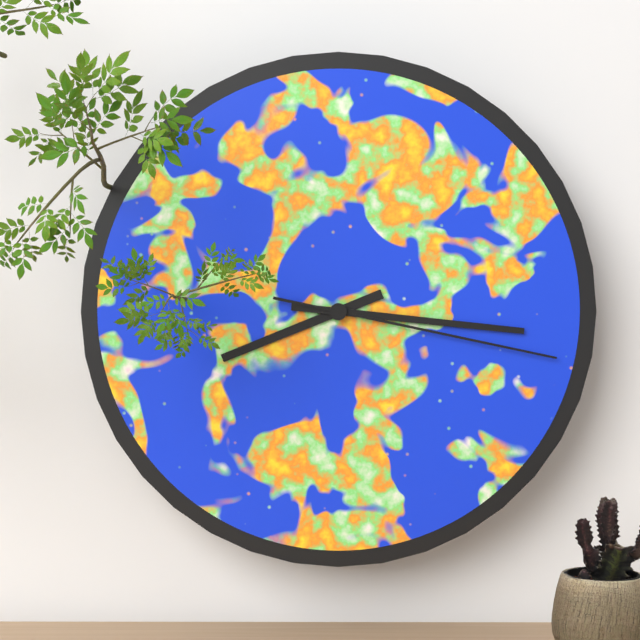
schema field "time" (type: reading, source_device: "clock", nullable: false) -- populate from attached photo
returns 8:16:17
